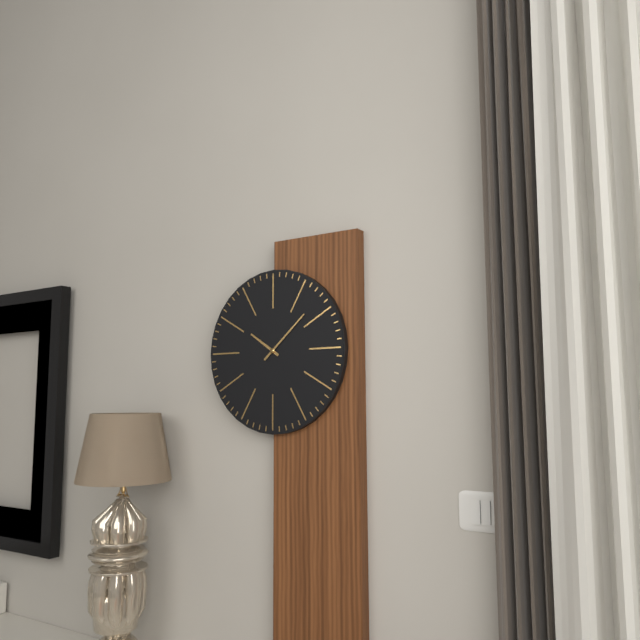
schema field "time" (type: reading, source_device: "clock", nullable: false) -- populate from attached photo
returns 10:08
